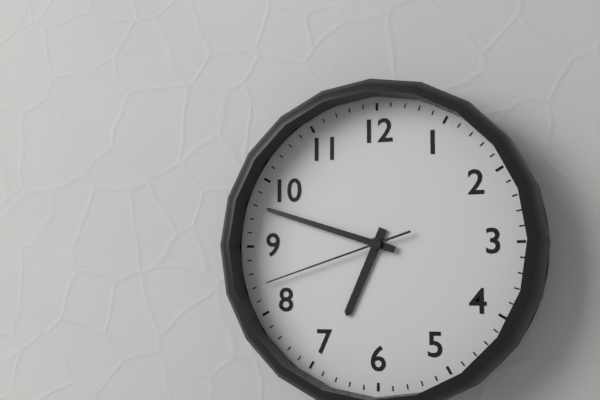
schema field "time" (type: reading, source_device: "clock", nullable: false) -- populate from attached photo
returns 6:48:42
